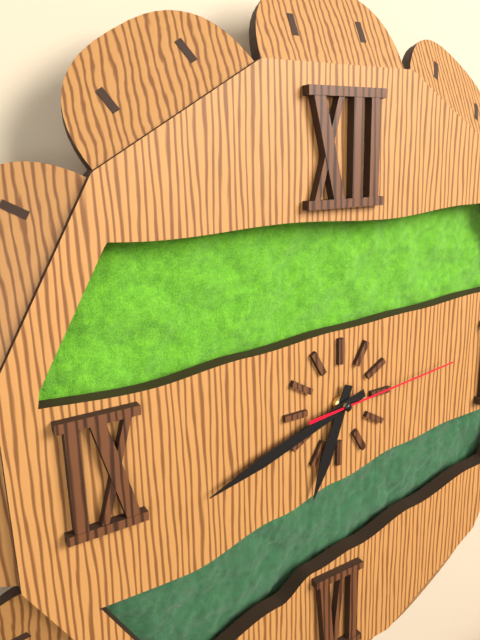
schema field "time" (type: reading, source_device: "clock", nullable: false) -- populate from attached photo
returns 6:42:14
